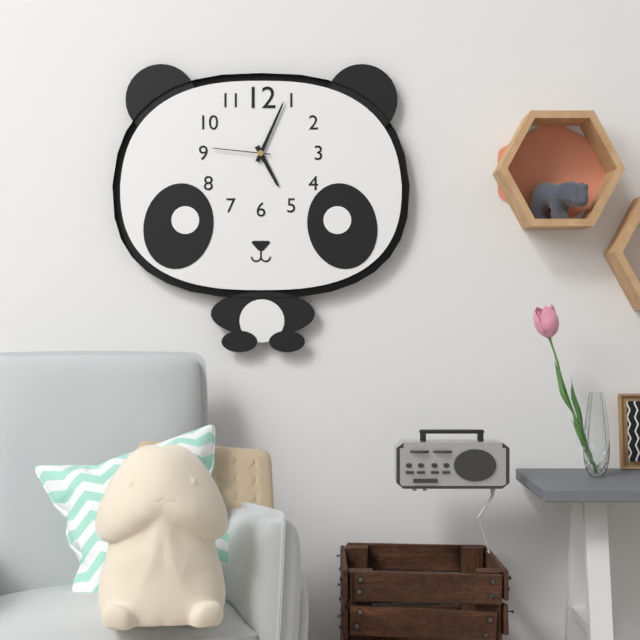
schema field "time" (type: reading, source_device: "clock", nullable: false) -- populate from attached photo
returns 5:04:46
